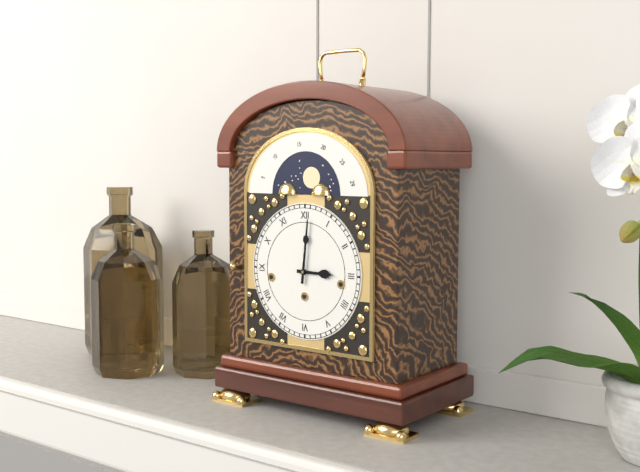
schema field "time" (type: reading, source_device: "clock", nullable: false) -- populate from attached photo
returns 3:01
